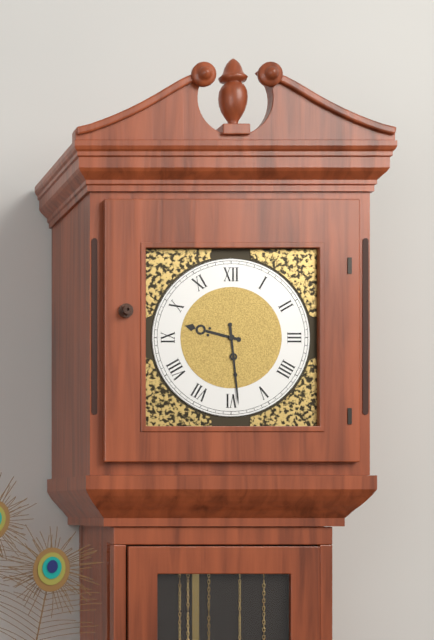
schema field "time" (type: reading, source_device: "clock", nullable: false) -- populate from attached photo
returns 9:29
